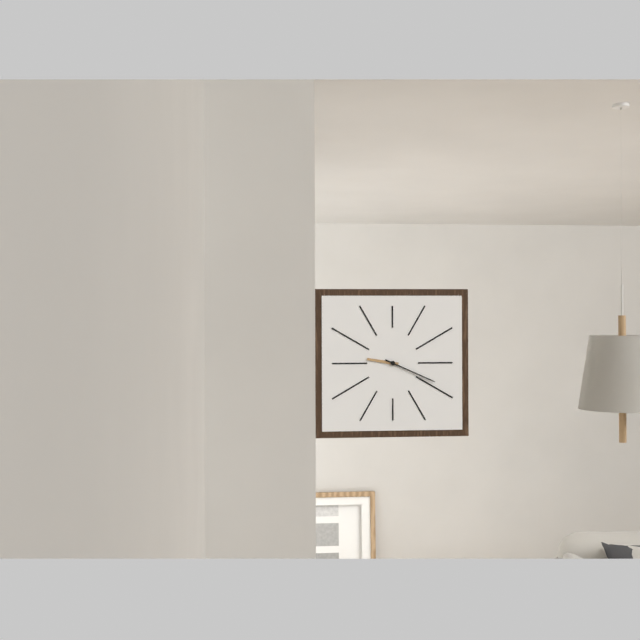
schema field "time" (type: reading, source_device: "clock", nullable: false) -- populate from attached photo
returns 9:19
